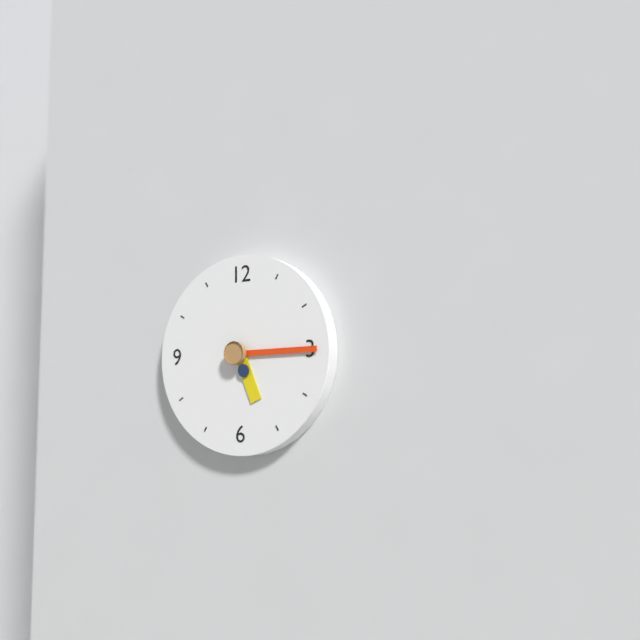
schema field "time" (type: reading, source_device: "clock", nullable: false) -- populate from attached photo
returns 5:15
